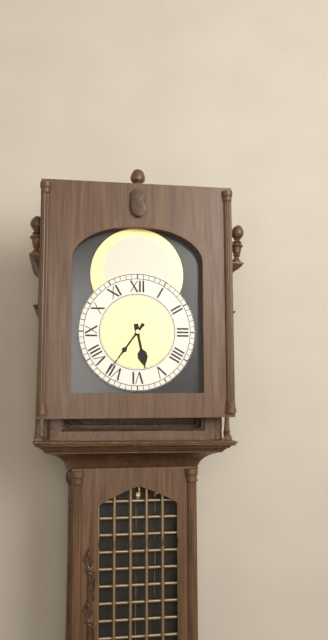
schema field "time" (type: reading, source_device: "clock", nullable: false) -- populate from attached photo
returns 5:36
